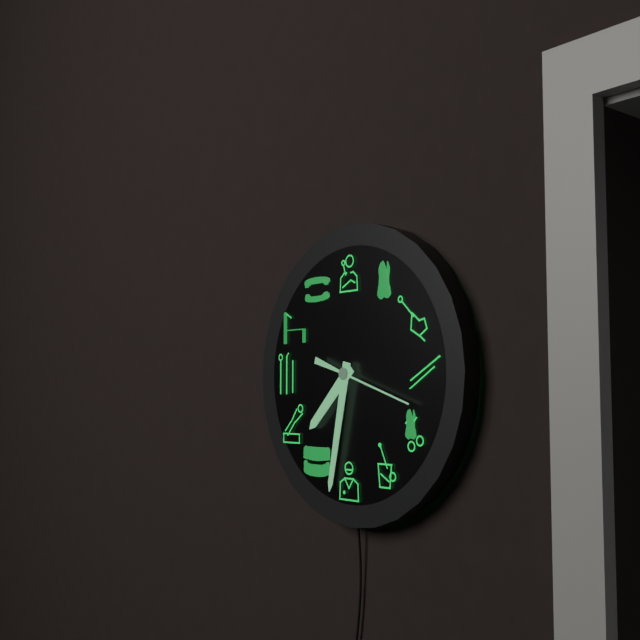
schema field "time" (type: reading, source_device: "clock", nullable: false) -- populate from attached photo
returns 7:32:18
